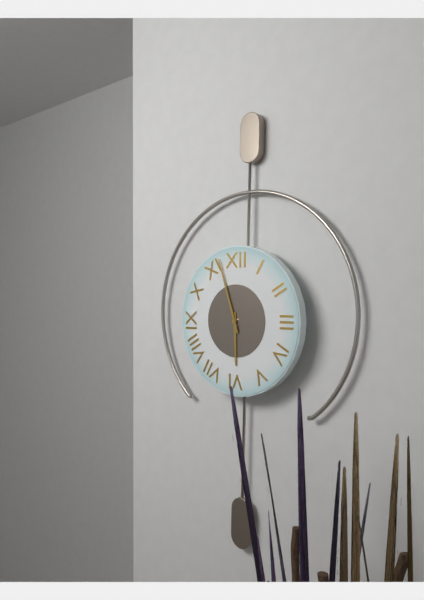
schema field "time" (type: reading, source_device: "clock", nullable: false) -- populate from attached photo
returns 5:57
